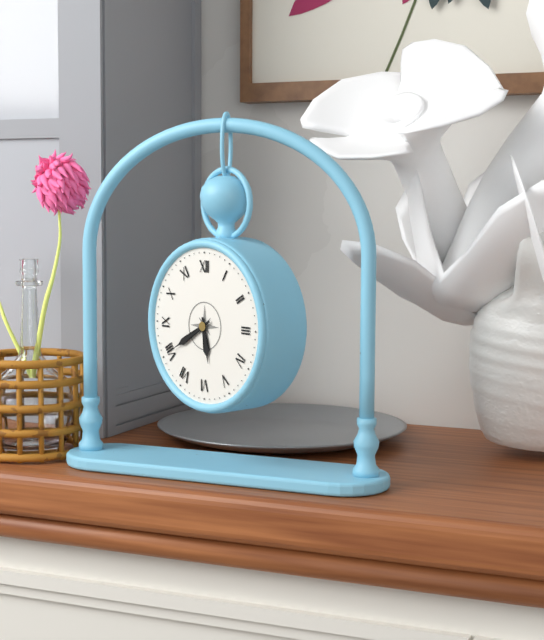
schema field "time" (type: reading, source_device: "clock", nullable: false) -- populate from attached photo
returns 5:40
